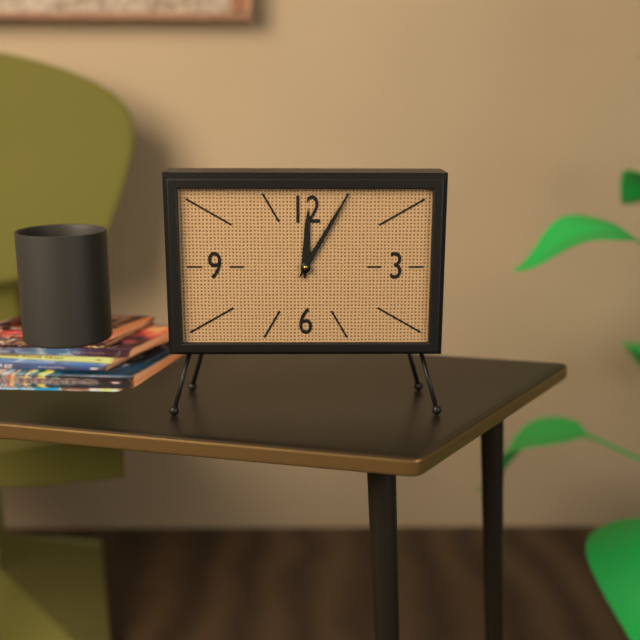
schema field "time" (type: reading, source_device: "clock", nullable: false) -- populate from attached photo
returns 12:05
